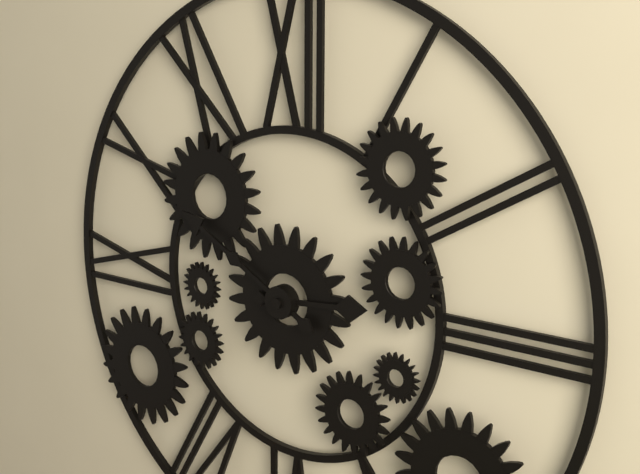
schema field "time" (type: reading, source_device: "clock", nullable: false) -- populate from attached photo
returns 2:50
